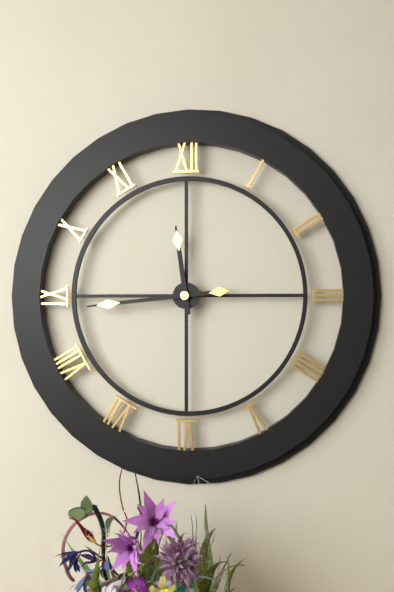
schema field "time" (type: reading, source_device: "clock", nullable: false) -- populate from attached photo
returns 11:44
